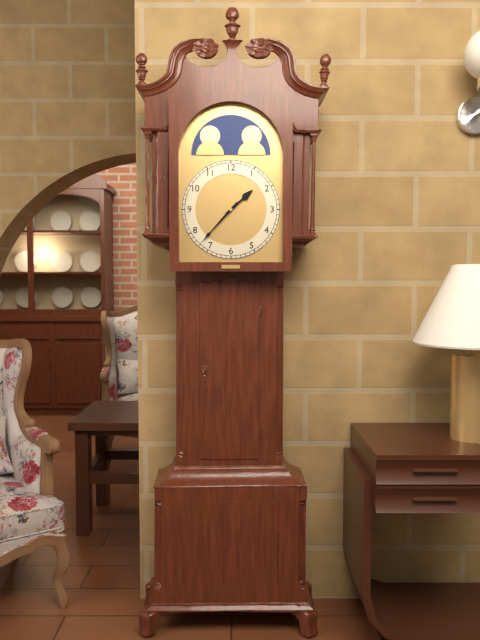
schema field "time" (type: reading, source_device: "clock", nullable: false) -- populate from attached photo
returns 1:37
